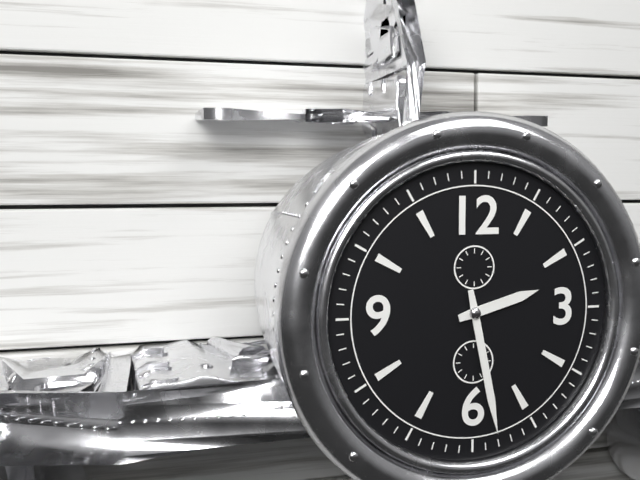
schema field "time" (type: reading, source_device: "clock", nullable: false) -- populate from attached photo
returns 2:28
